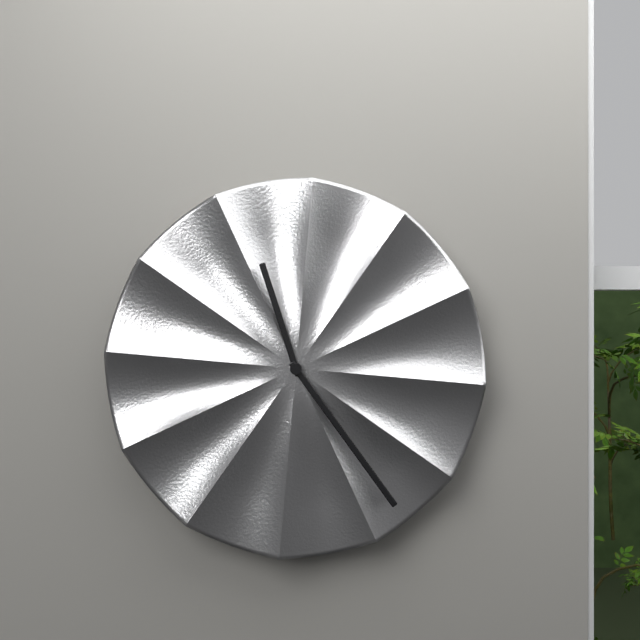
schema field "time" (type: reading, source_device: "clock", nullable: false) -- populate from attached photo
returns 11:24
